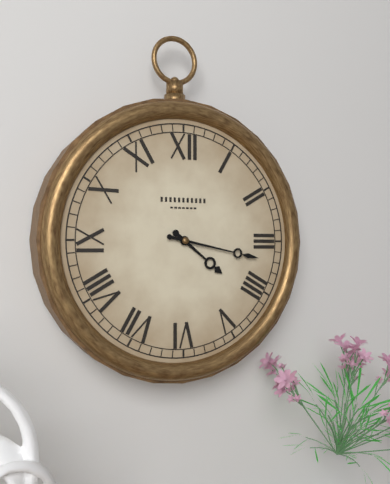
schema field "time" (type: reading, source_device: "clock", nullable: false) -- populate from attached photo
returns 4:17
